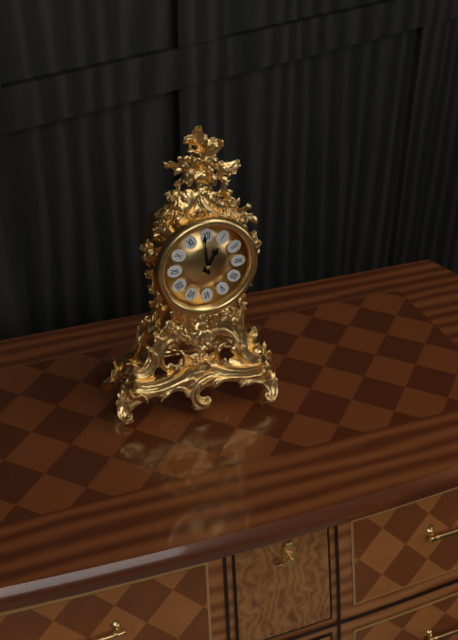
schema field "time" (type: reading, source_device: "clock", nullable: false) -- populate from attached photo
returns 12:59
